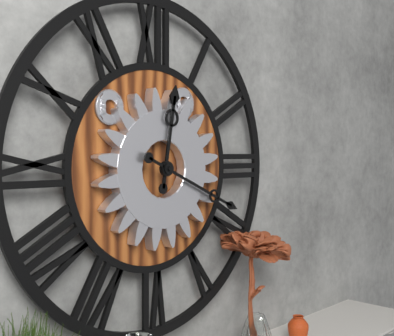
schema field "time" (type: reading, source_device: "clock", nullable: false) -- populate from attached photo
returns 12:19
